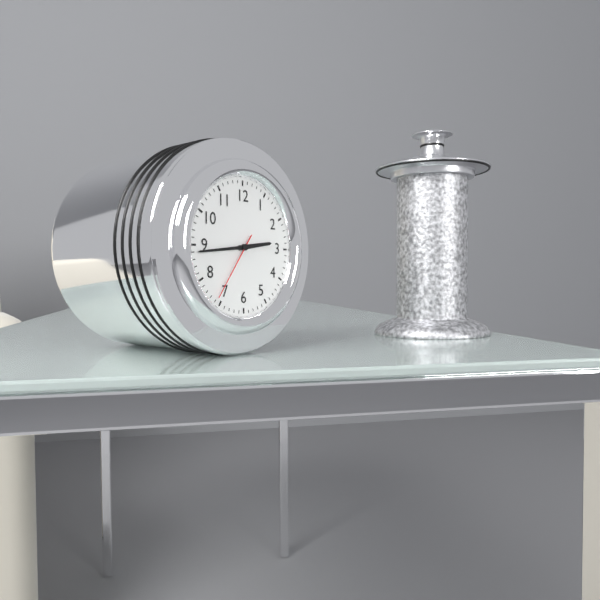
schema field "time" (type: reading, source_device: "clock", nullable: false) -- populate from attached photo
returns 2:44:36
